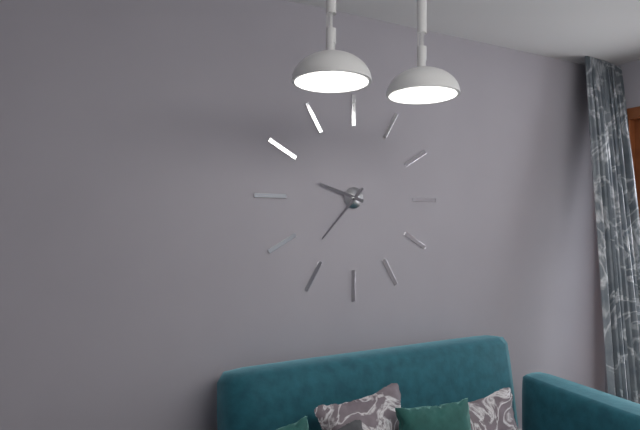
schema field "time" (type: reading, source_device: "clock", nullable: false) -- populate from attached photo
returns 9:37
